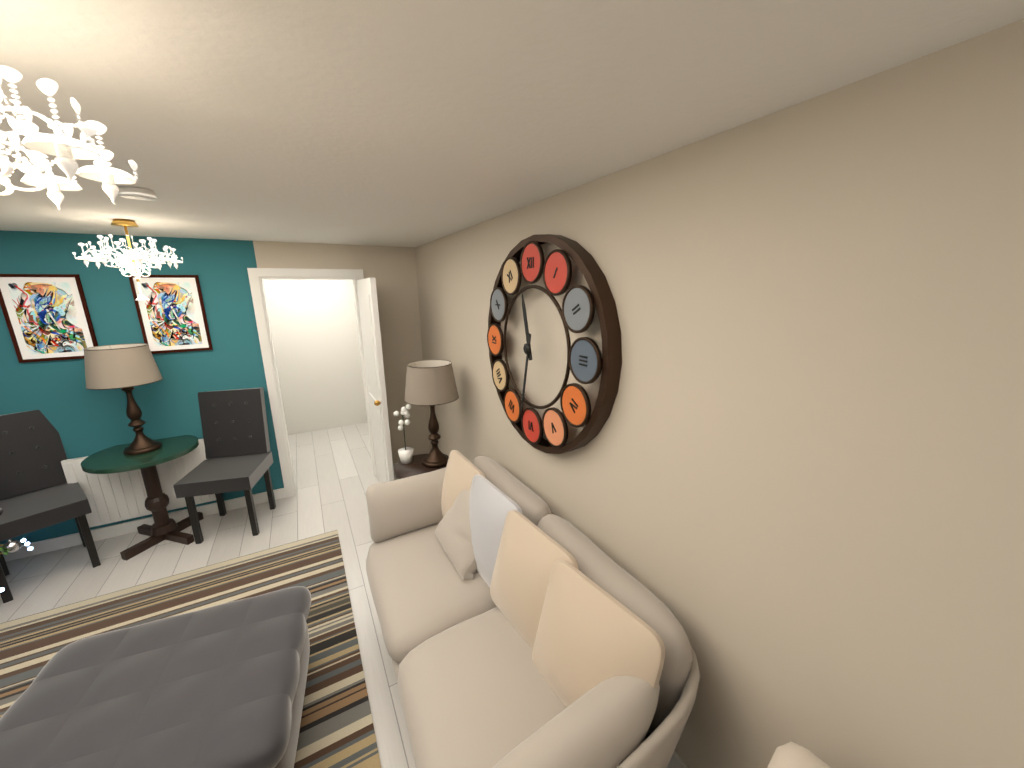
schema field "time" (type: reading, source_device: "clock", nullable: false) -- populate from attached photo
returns 11:32
